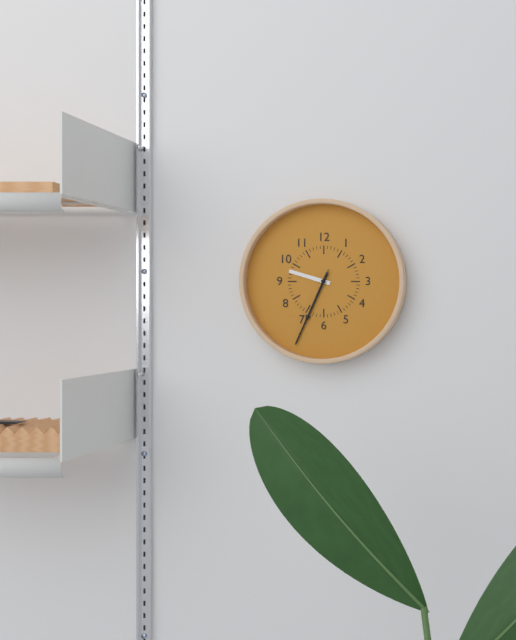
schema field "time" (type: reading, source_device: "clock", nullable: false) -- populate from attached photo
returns 9:34:34
